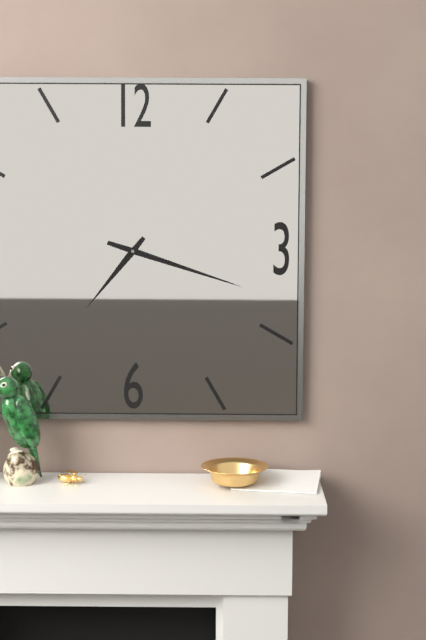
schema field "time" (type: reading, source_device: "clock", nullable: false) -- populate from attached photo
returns 7:18
